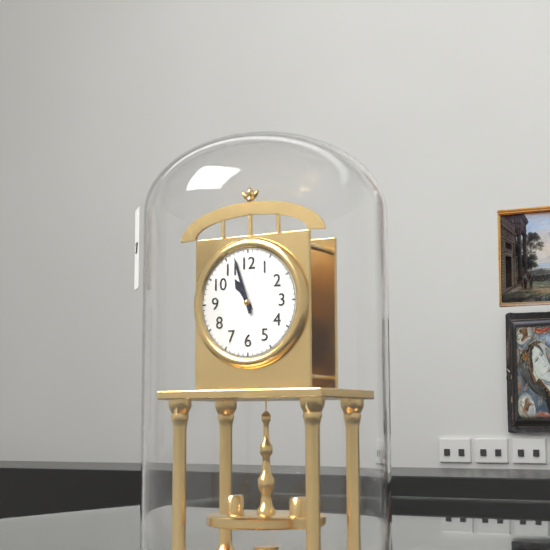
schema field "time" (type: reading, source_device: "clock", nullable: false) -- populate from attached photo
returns 10:57
